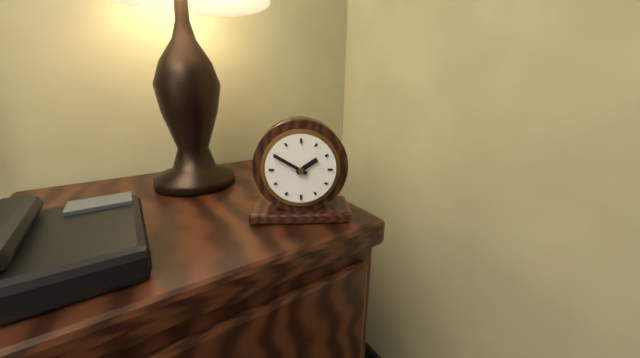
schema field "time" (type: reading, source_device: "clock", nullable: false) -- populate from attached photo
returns 1:50
